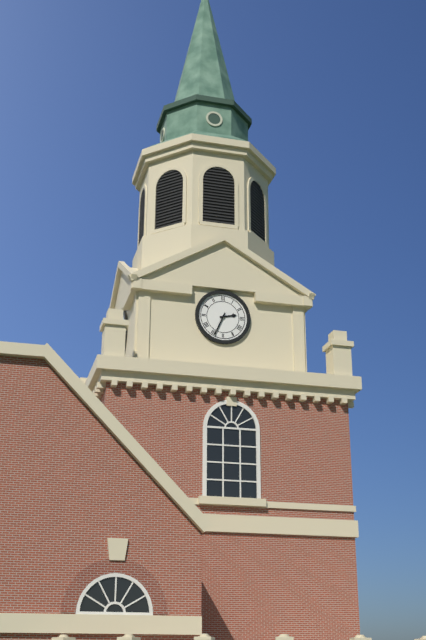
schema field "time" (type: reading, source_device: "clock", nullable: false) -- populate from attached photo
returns 2:34
